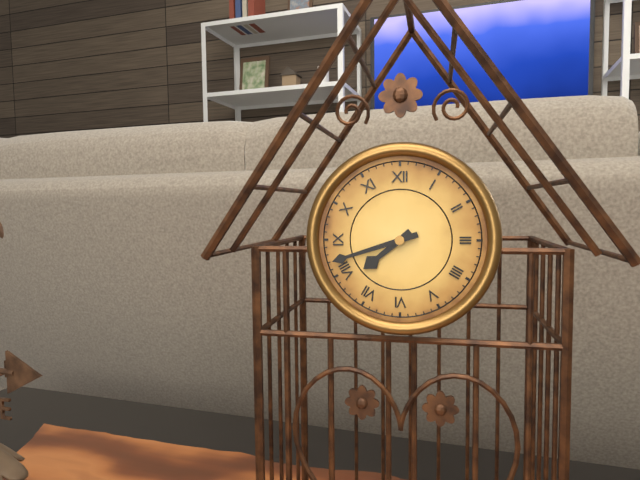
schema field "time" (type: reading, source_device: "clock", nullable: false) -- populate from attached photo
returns 7:42
